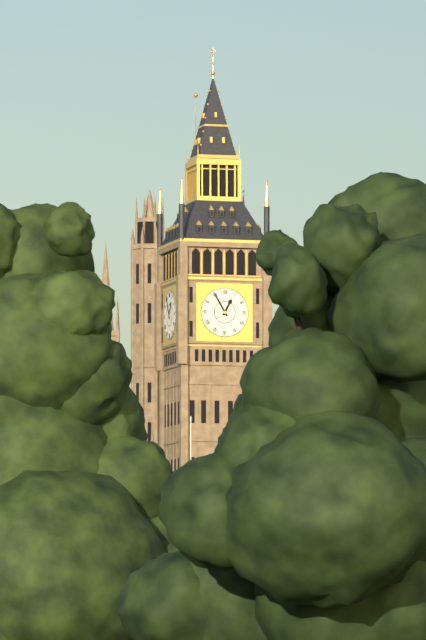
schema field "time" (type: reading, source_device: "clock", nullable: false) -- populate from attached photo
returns 12:55
